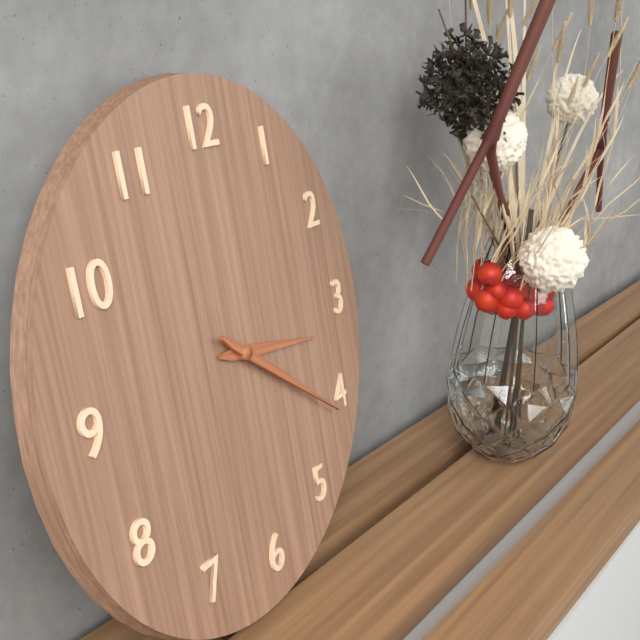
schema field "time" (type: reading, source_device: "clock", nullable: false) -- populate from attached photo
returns 3:21
